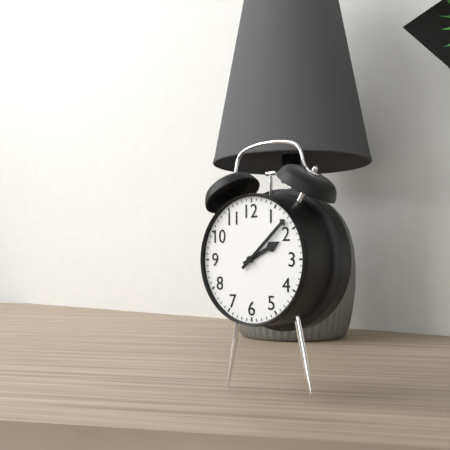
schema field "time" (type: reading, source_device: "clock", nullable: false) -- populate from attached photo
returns 2:08
